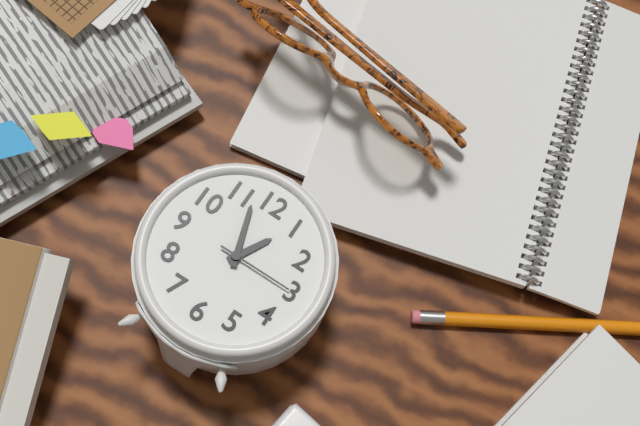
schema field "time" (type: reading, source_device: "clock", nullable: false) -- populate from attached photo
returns 12:57:15
